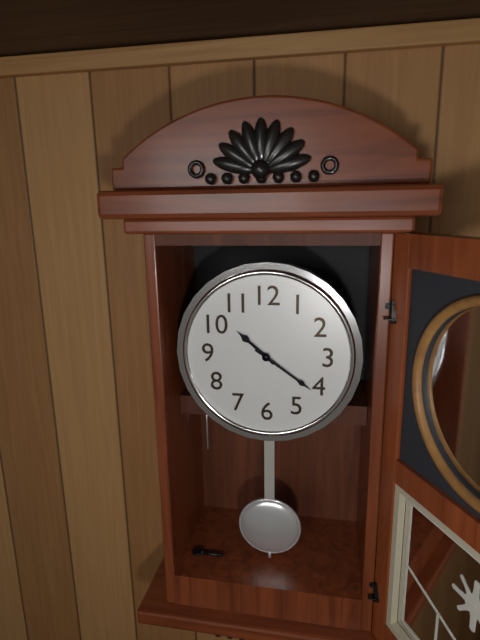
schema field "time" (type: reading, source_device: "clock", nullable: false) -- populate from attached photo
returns 10:21
